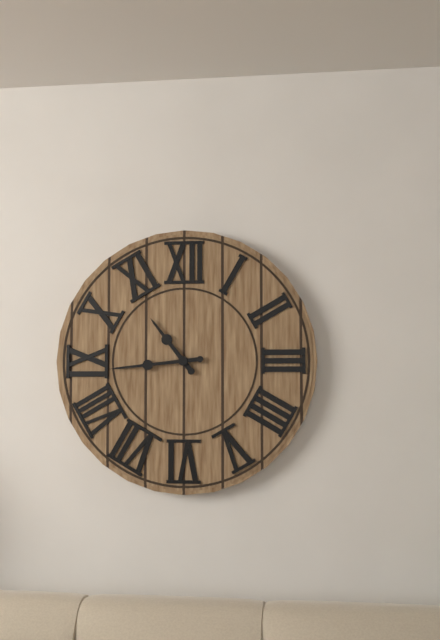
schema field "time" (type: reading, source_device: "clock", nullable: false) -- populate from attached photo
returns 10:44
